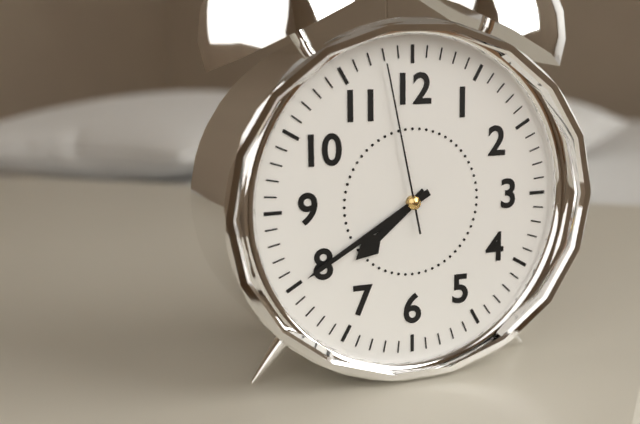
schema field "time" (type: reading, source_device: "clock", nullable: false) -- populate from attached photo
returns 7:40:58
